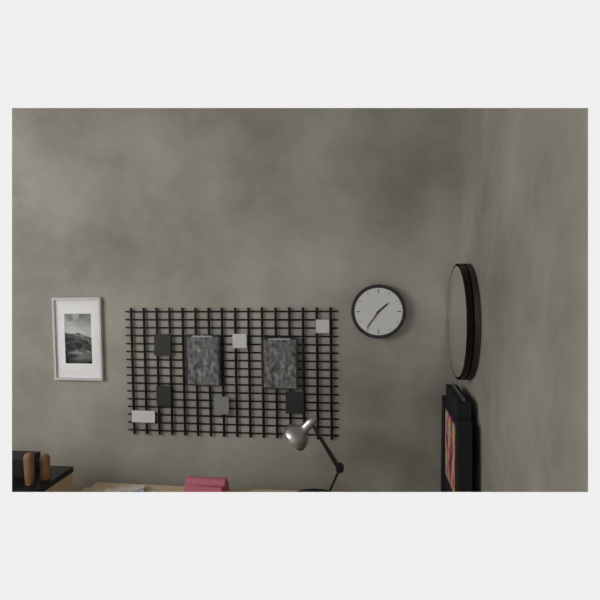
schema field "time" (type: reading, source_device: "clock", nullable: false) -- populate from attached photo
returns 1:36
